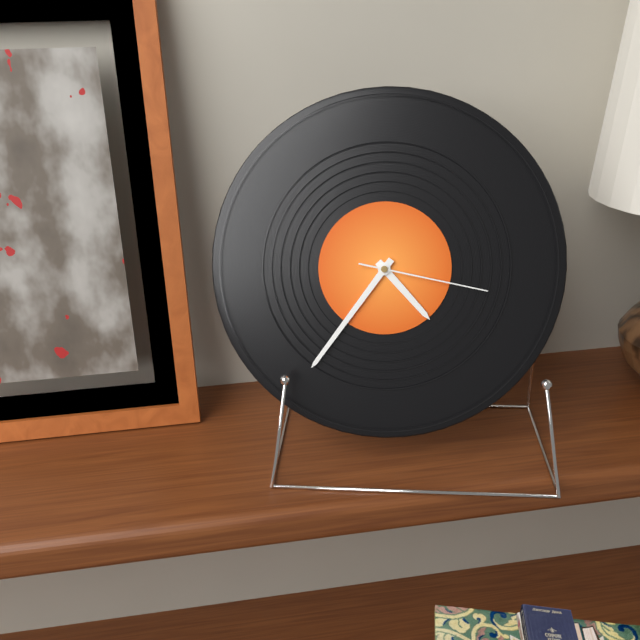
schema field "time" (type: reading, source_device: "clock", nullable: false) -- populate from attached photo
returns 4:36:17
